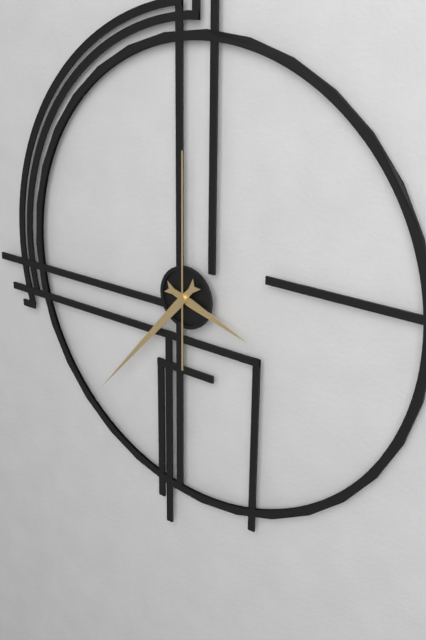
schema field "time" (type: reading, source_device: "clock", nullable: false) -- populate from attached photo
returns 3:37:00
